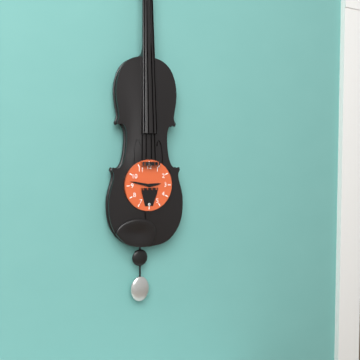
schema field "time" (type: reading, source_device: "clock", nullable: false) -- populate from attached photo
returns 2:47
